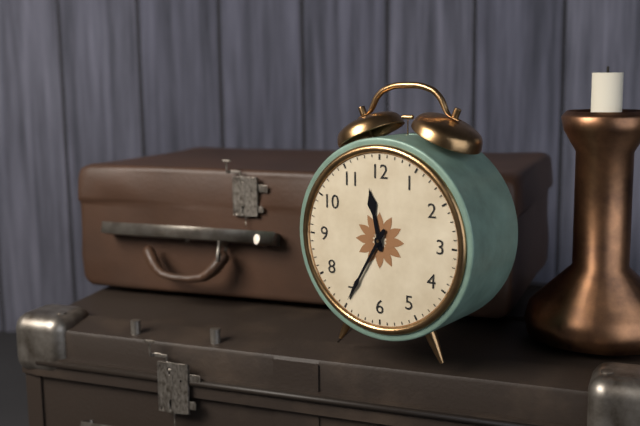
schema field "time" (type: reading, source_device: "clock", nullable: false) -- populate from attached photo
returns 11:35
